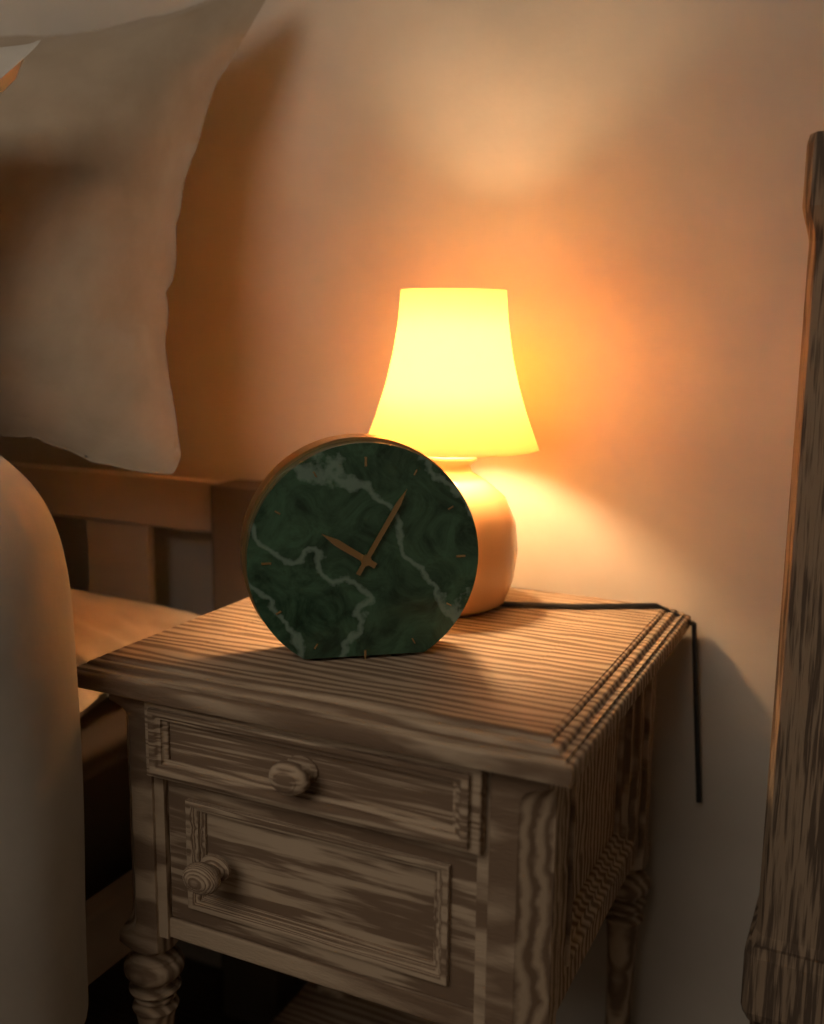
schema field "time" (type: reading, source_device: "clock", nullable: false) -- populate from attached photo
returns 10:05
